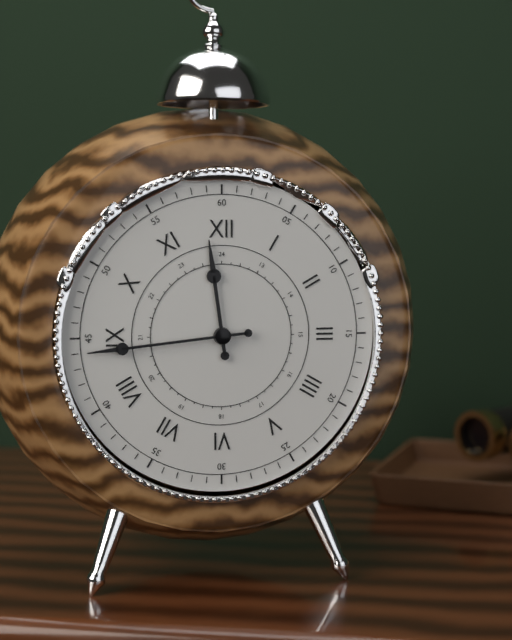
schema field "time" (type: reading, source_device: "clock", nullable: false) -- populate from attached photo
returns 11:44
